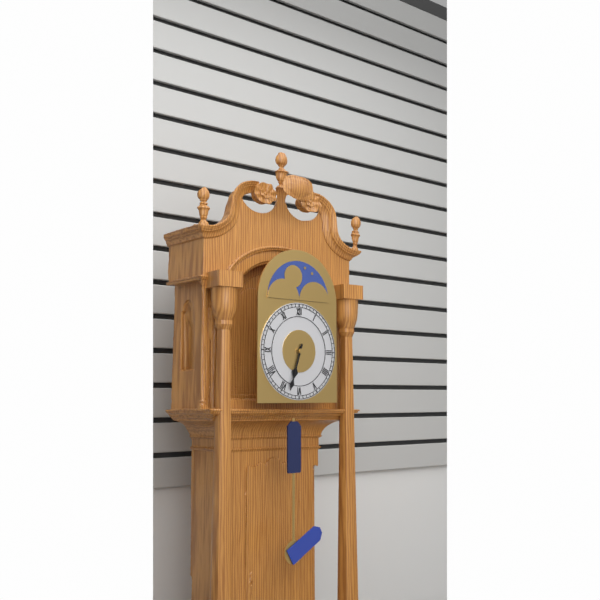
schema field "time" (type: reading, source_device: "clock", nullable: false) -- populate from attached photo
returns 6:33
